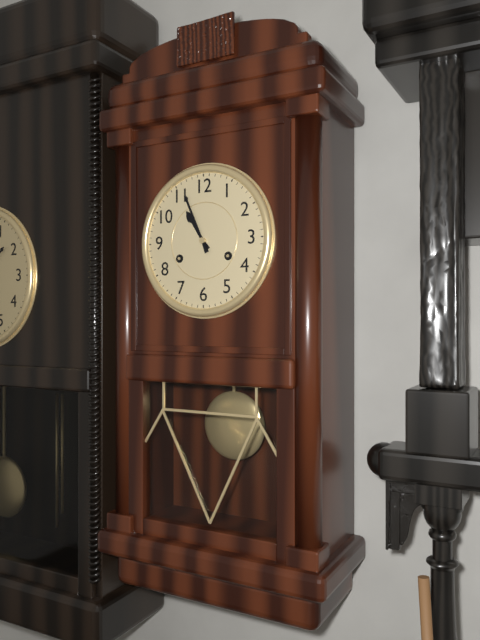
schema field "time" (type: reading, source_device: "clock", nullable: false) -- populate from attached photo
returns 10:56
